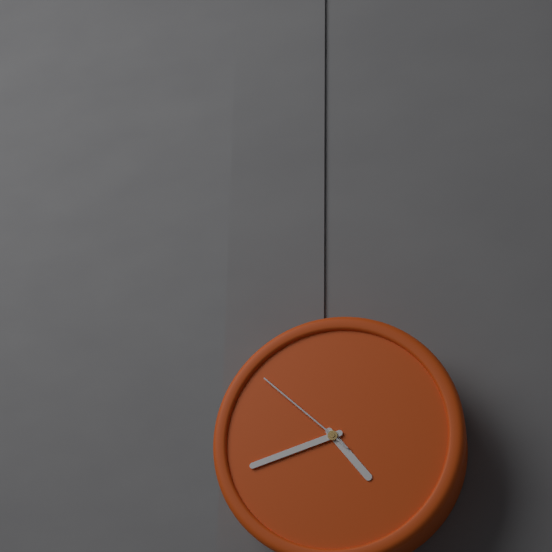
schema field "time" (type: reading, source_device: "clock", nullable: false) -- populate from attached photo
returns 4:42:52
